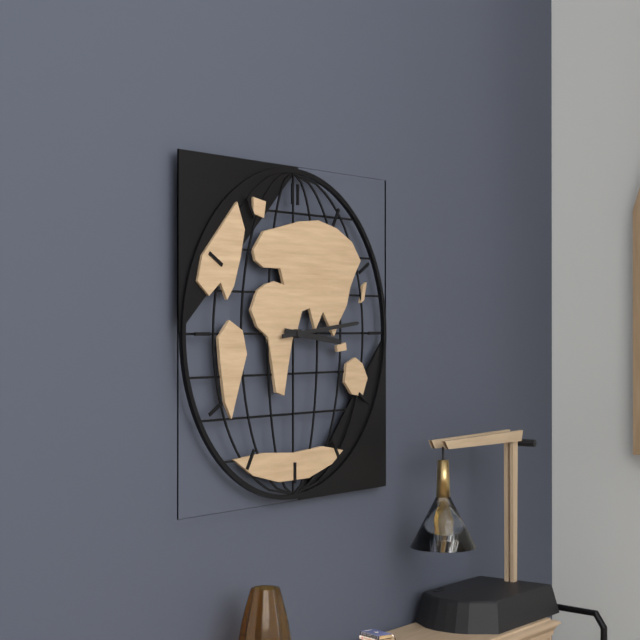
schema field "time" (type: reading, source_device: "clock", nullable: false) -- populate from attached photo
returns 3:14
